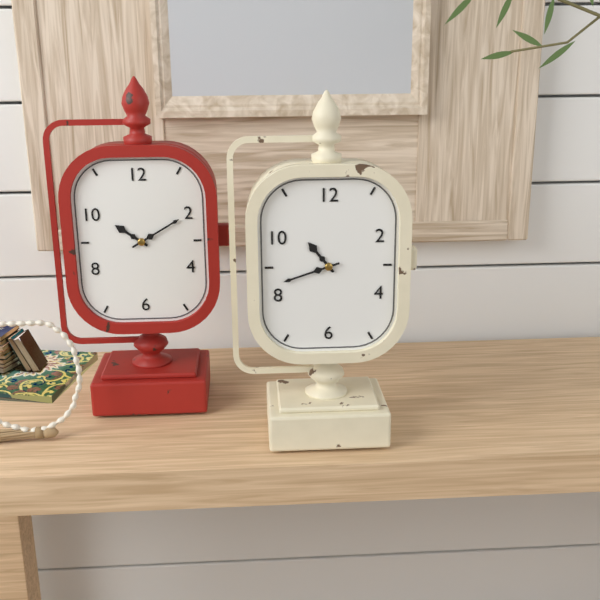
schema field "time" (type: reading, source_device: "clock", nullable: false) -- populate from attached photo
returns 10:42
